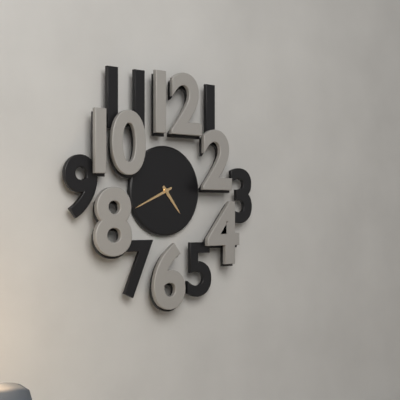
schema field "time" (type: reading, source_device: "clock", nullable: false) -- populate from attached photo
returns 4:41
